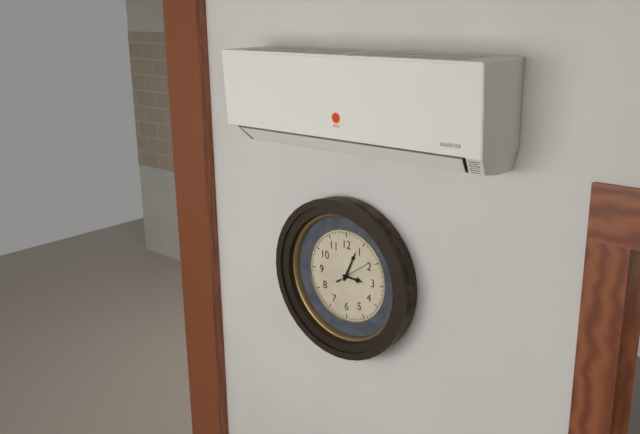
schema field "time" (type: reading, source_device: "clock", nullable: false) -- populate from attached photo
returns 3:04
